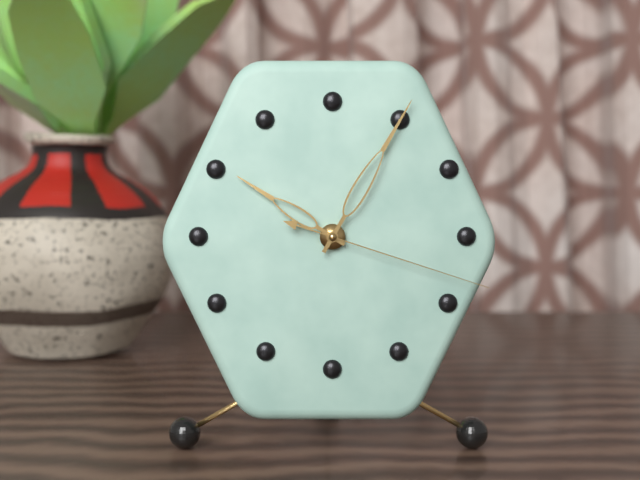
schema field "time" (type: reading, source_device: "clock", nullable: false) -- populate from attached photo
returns 10:05:18
